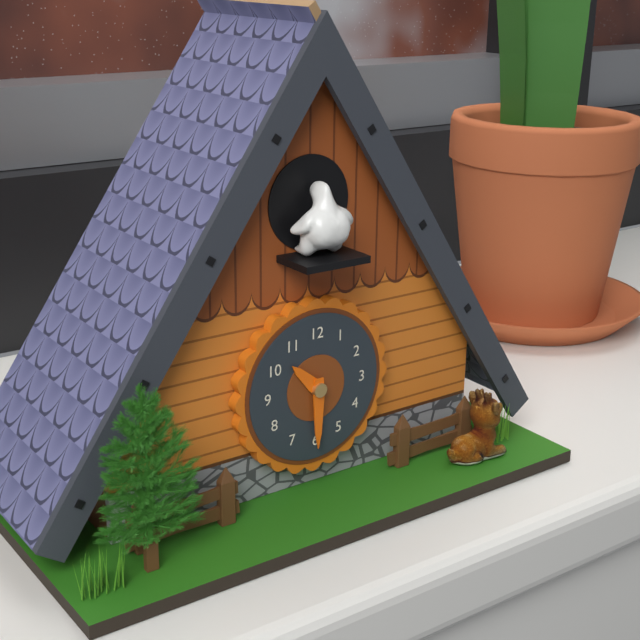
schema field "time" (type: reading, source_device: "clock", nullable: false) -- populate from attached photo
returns 10:30
